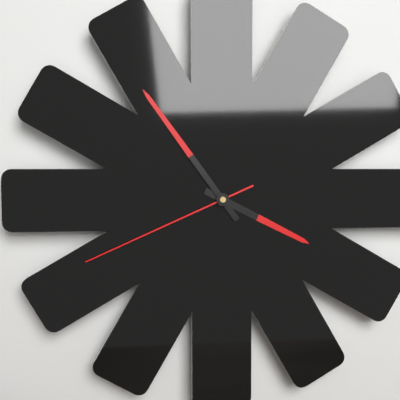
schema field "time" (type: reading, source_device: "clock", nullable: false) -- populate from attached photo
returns 3:54:41
